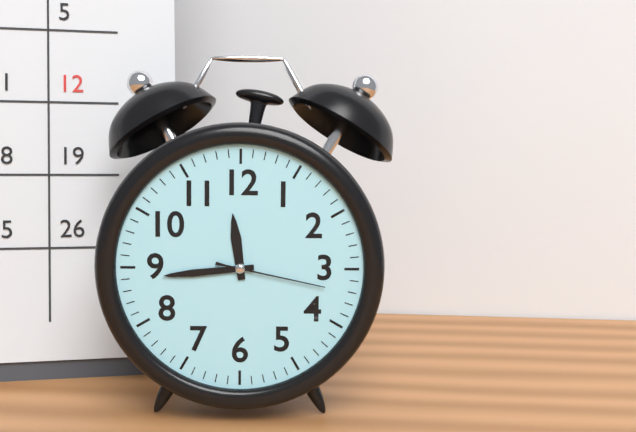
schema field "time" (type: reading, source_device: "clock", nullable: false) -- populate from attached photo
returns 11:44:17
